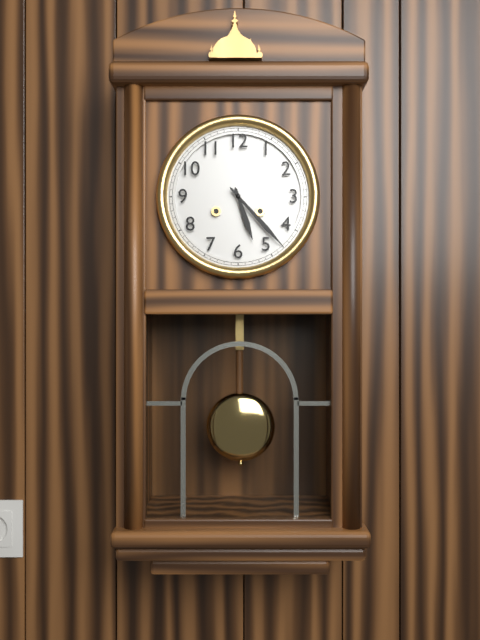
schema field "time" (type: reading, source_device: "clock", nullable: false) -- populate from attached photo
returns 5:23
